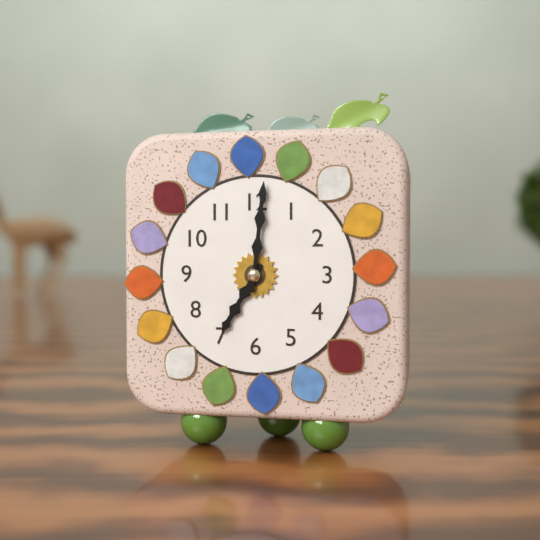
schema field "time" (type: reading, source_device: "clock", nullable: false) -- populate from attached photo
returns 7:01
